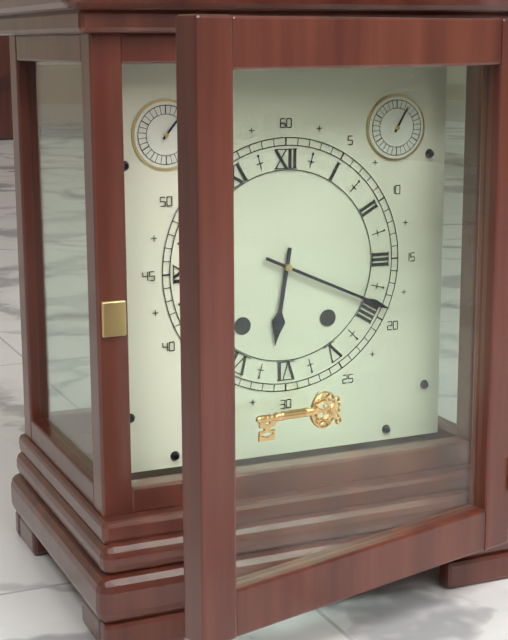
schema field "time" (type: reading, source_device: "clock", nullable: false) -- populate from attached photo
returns 6:19
